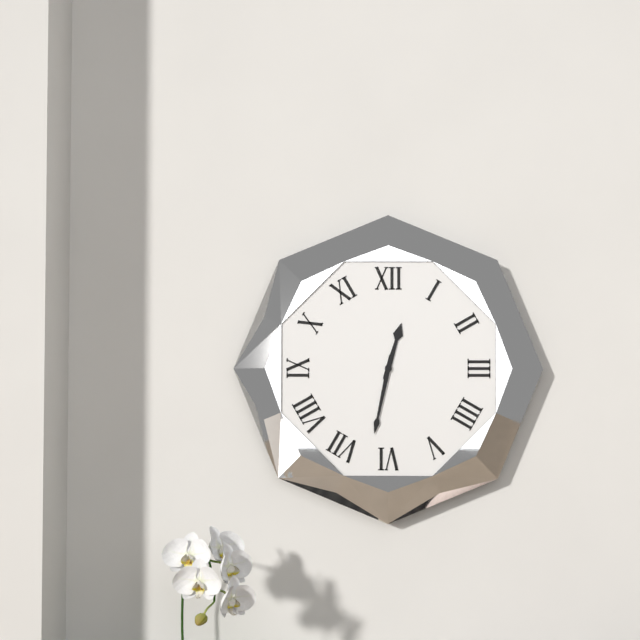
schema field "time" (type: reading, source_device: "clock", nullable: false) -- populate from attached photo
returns 12:32
